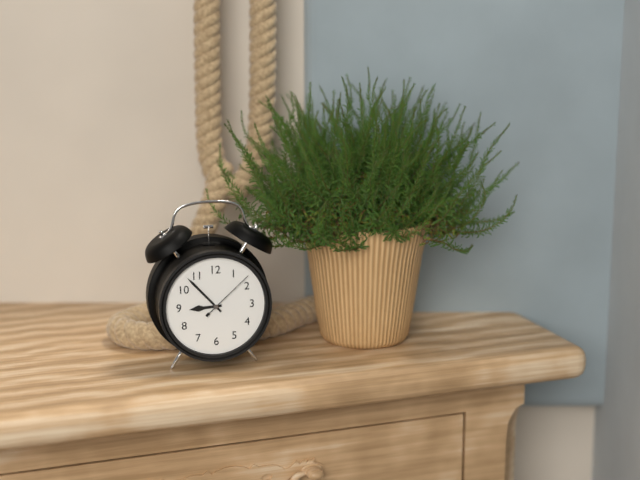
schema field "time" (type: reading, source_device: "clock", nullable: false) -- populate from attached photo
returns 8:53:08
